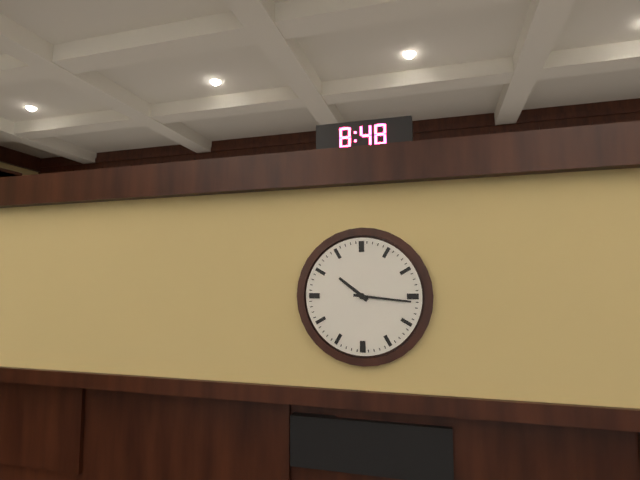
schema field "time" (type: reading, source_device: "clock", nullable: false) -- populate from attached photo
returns 10:16
